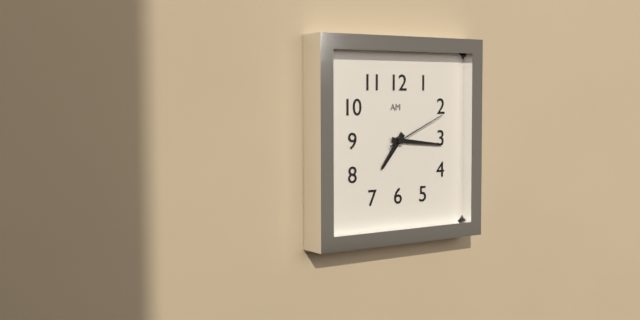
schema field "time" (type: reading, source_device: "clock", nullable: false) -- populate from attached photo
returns 7:16:11
